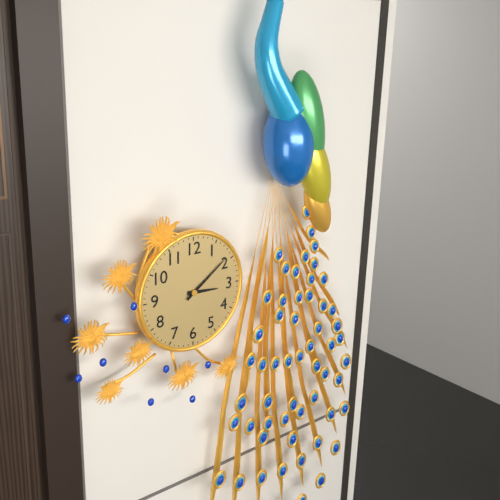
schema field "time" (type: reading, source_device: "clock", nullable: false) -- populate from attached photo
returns 3:09
